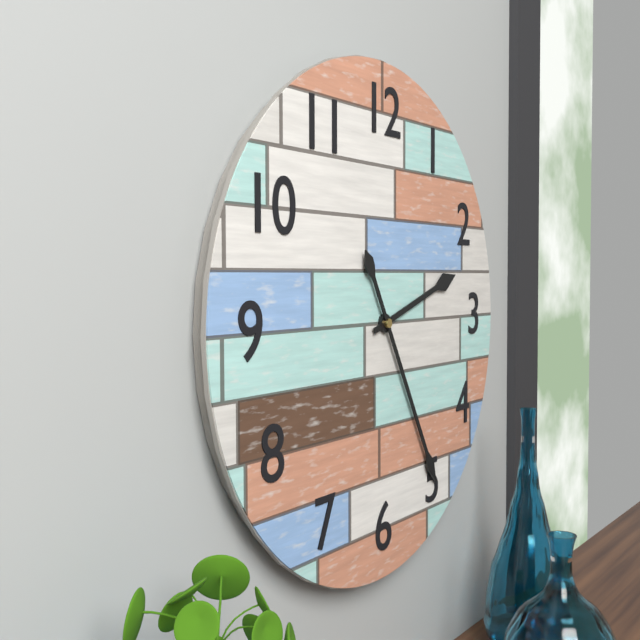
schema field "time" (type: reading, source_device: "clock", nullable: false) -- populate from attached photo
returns 2:25
